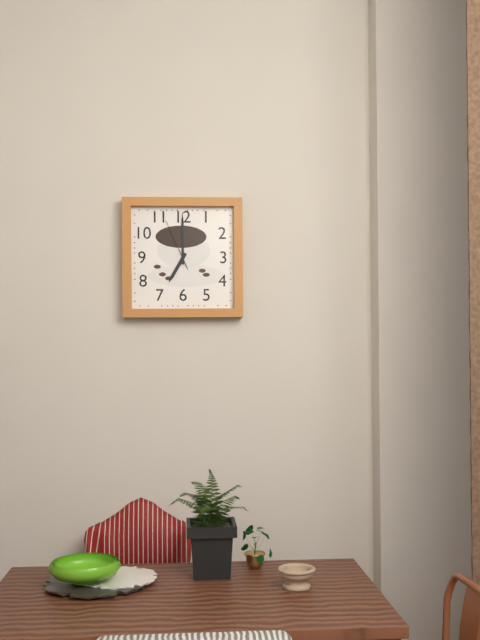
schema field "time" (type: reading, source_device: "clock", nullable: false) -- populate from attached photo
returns 7:00:56
